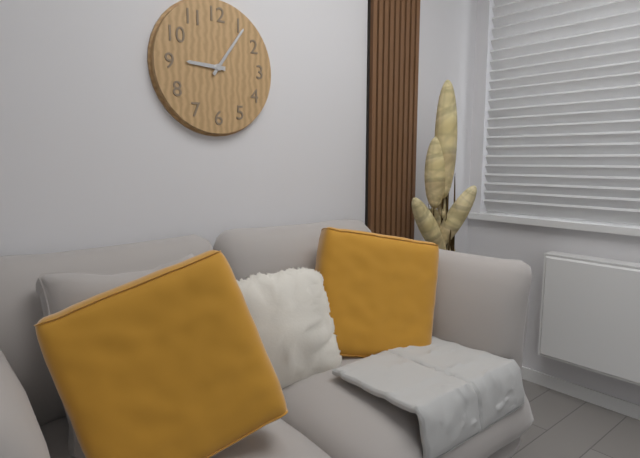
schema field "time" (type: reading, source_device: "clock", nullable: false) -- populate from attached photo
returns 9:06
